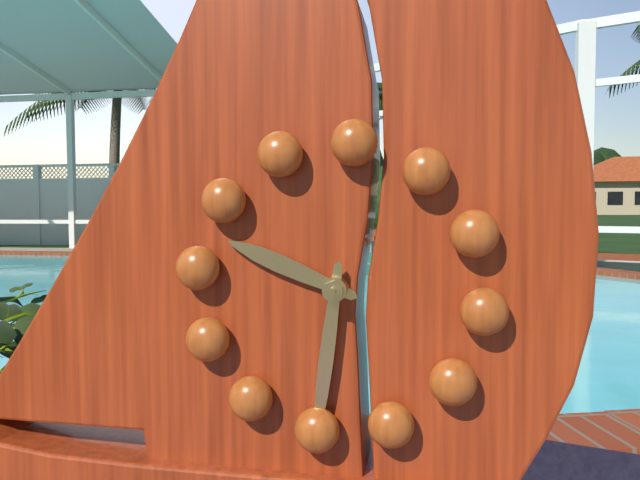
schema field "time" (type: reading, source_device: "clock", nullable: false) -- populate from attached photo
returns 9:30
